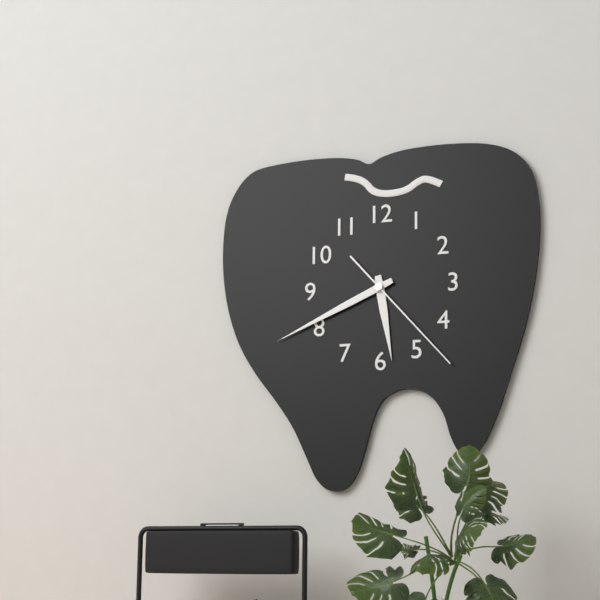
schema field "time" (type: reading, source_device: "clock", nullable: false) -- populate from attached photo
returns 5:41:23
